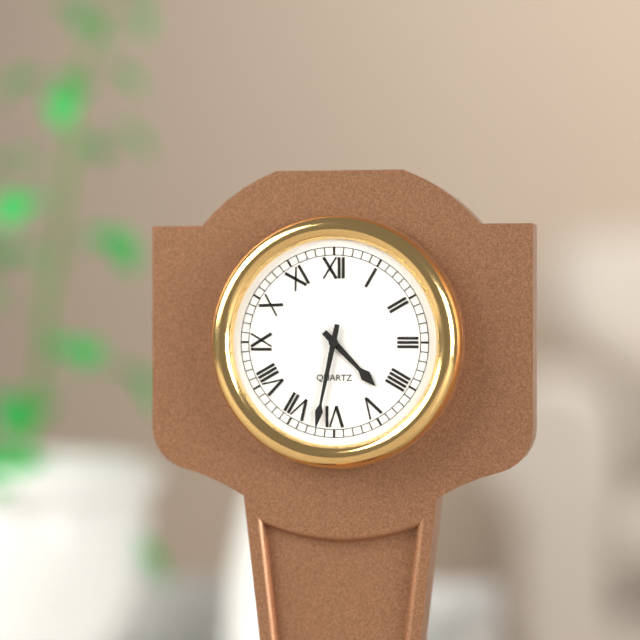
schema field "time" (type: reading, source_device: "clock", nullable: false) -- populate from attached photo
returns 4:32
